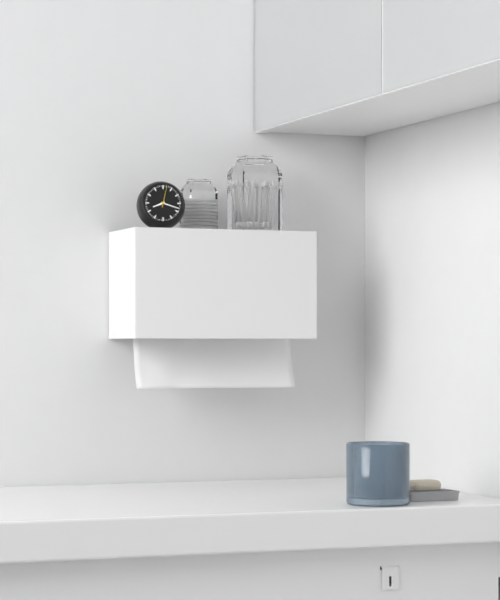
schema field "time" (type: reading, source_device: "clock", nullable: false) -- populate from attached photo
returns 8:18
